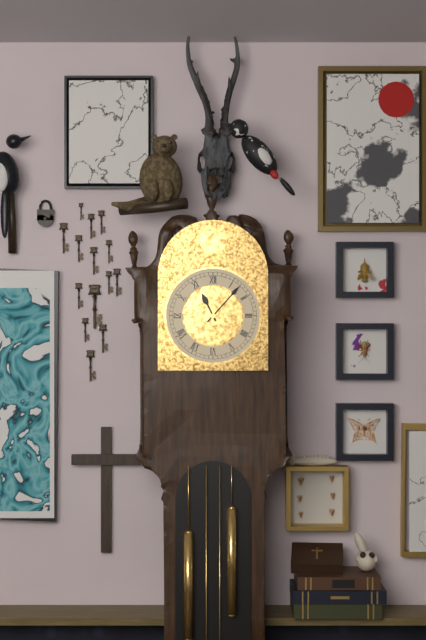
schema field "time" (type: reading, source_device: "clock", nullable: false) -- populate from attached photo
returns 11:07
